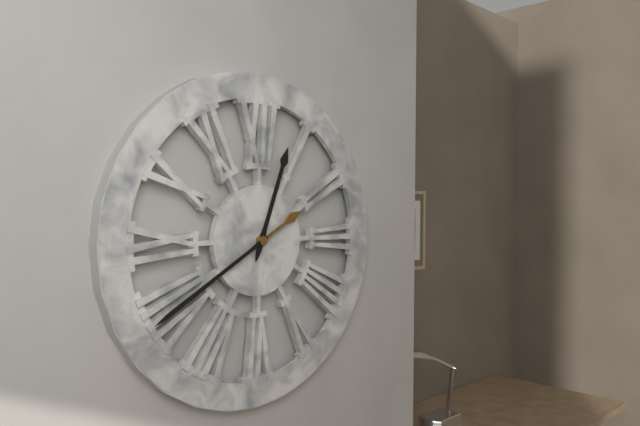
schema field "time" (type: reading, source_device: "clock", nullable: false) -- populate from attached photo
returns 12:40
